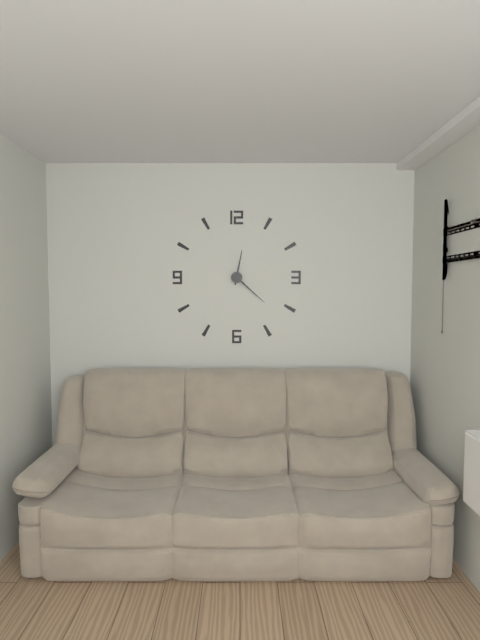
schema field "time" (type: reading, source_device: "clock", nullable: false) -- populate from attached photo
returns 12:22
